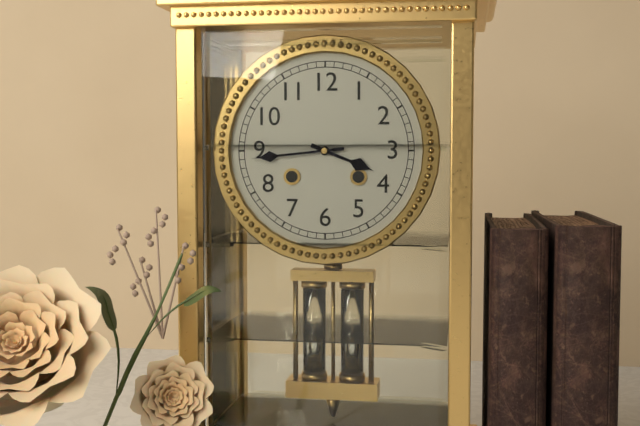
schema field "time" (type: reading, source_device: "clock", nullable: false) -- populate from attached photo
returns 3:44
